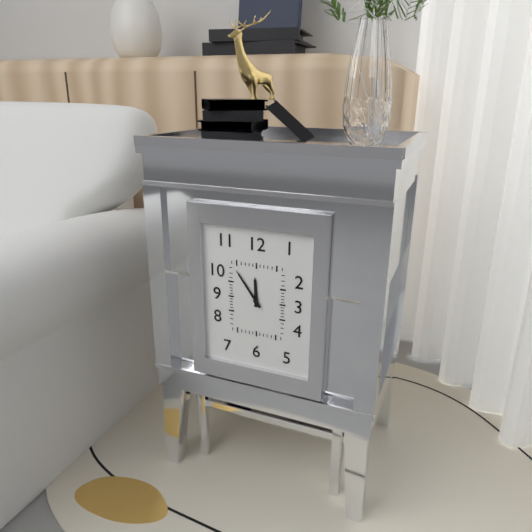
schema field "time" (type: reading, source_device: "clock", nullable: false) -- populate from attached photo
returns 11:54
